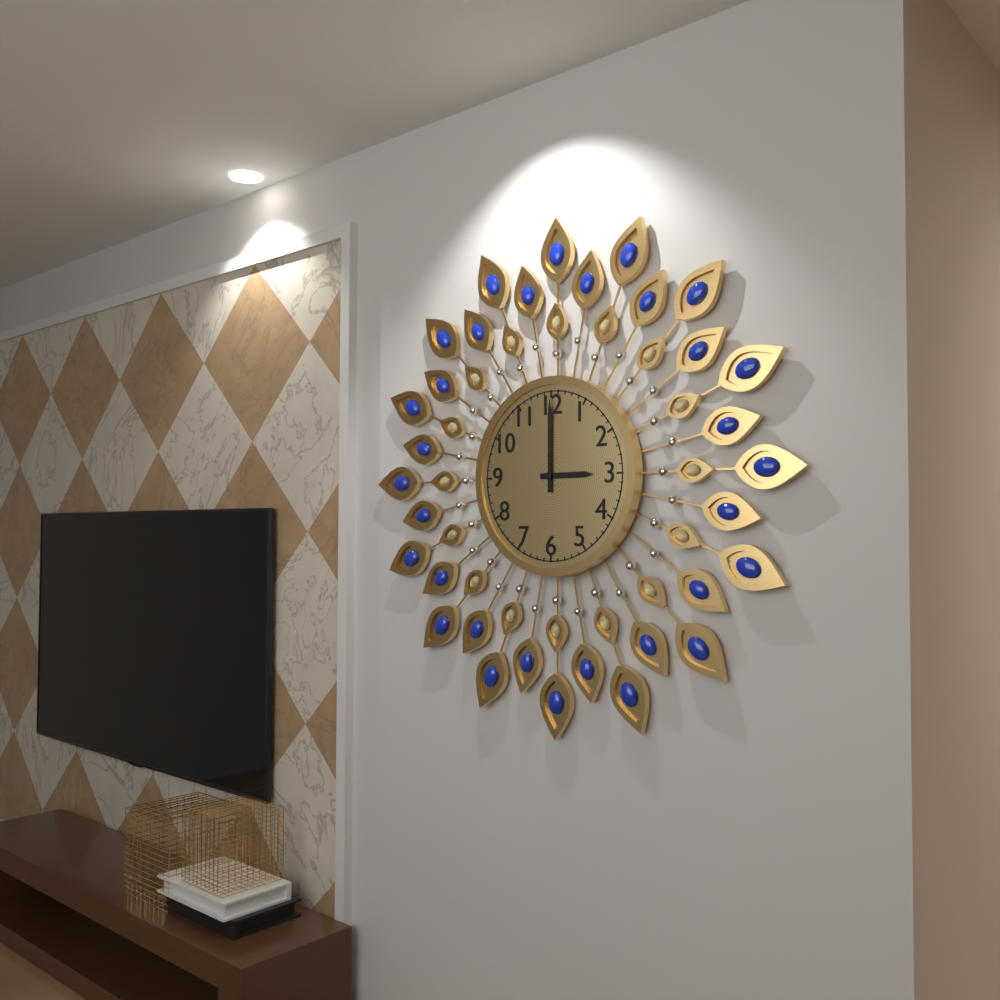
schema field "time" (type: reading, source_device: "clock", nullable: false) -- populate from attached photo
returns 3:00
